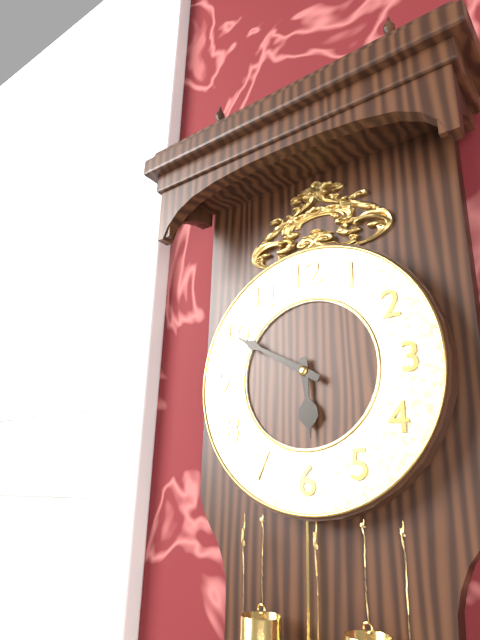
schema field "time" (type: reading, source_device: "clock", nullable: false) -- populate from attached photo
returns 5:50
